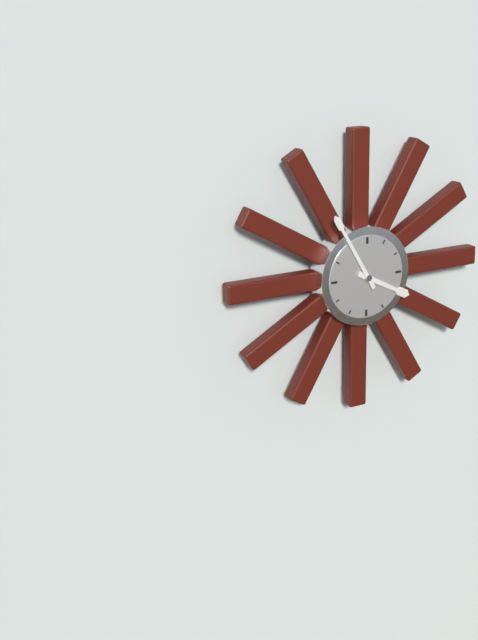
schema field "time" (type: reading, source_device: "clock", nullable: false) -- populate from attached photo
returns 3:55
